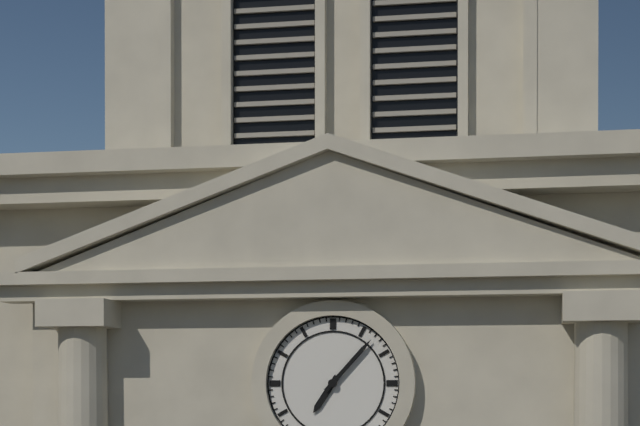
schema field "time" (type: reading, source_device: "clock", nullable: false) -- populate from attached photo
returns 7:07
